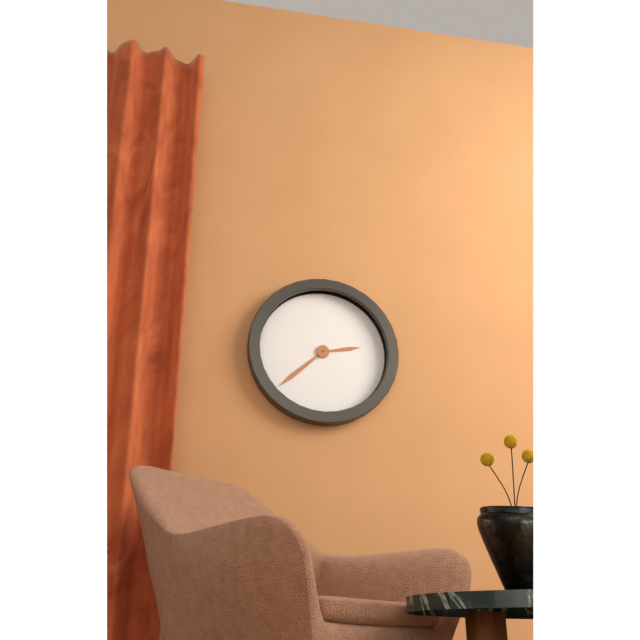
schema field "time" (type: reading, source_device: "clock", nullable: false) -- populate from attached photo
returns 2:38
